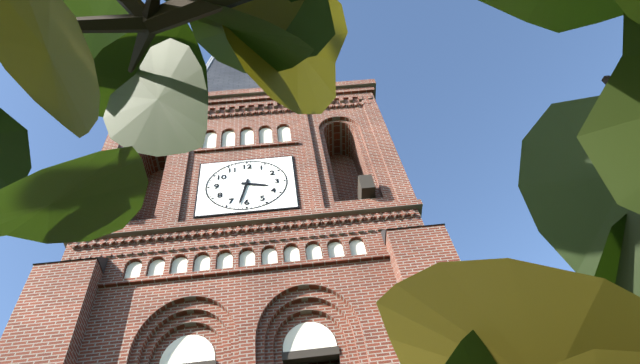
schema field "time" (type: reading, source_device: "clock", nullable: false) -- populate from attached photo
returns 3:32
